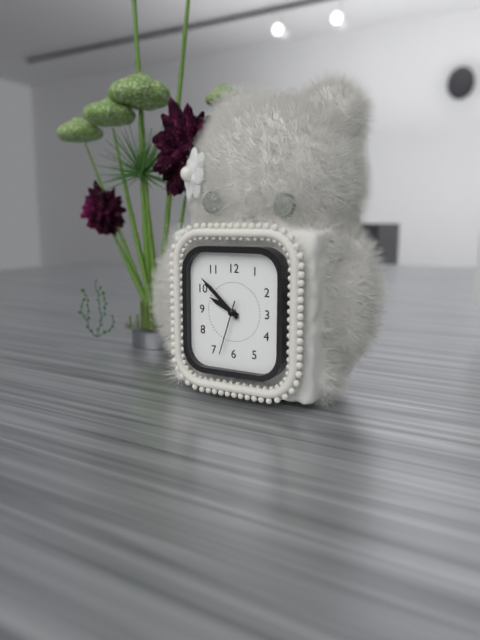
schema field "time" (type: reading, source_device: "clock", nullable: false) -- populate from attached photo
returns 9:52:33
